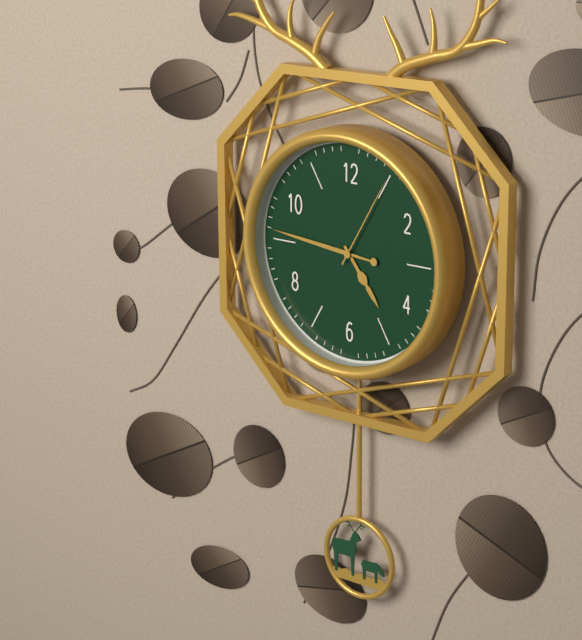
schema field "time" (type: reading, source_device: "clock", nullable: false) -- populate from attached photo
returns 4:46:05
